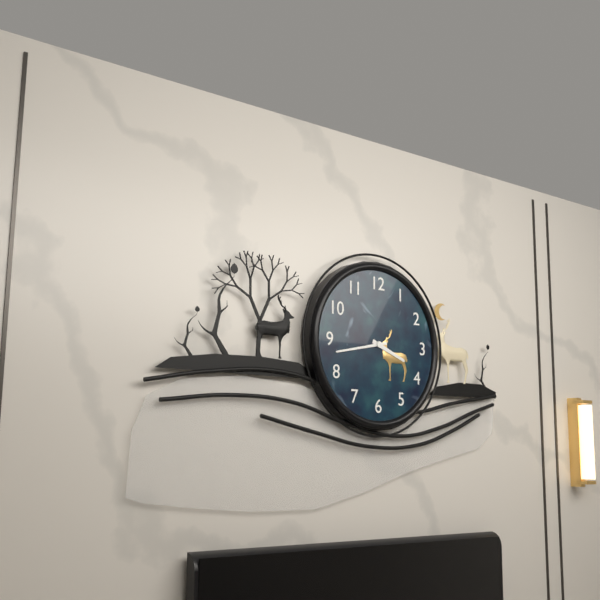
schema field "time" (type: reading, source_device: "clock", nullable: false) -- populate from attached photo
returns 3:43
